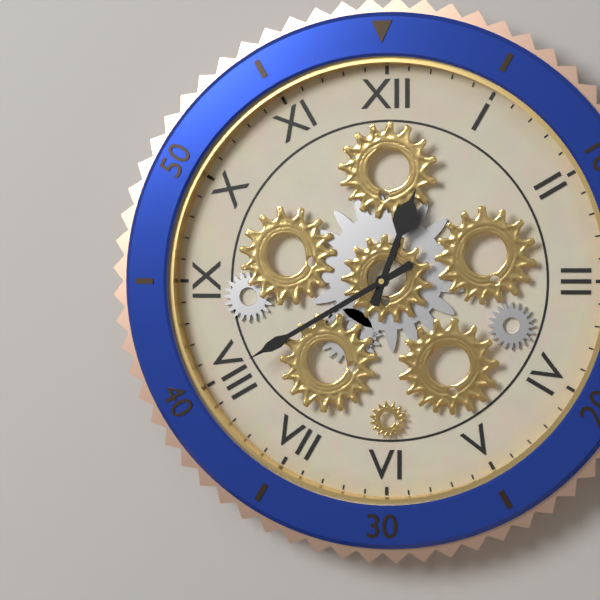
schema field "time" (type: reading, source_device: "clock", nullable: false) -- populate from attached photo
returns 12:40
